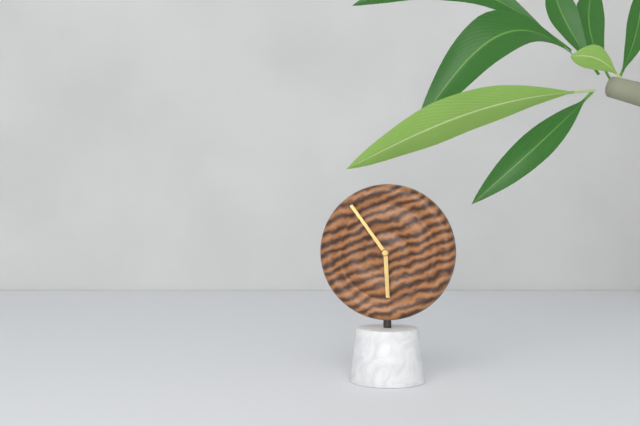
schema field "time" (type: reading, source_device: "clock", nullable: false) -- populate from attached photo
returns 5:54
